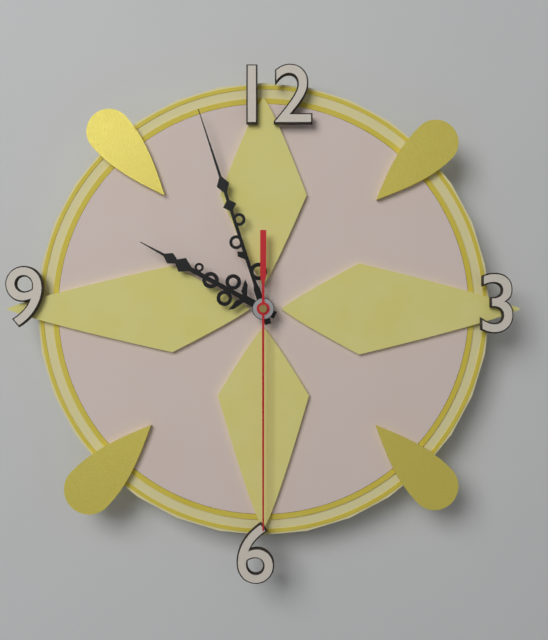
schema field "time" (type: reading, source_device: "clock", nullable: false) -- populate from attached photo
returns 9:57:30
